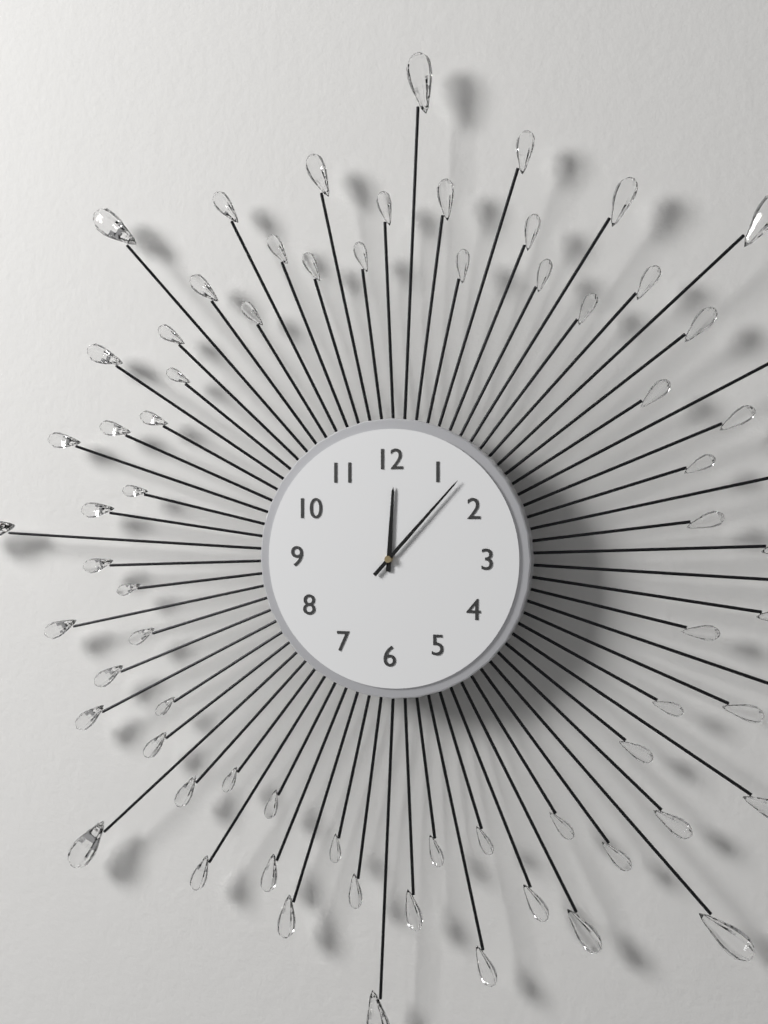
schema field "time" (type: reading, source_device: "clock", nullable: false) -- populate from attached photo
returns 12:07
